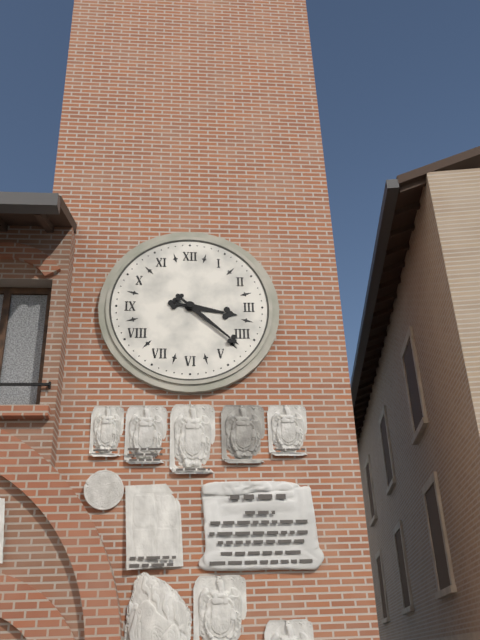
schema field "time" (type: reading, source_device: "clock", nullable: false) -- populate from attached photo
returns 3:22
